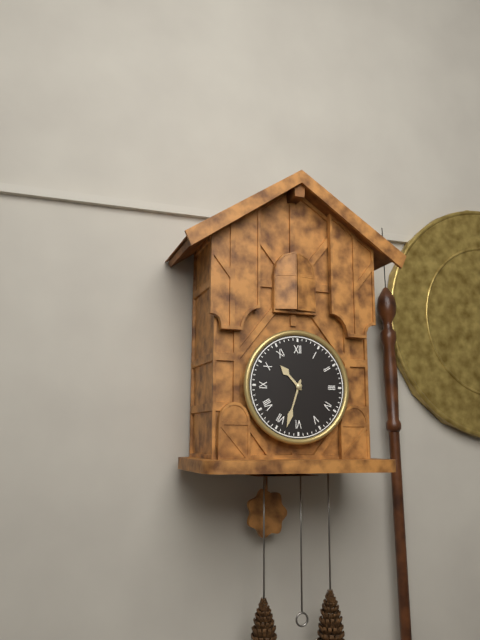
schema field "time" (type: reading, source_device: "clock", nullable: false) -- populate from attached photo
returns 10:33
